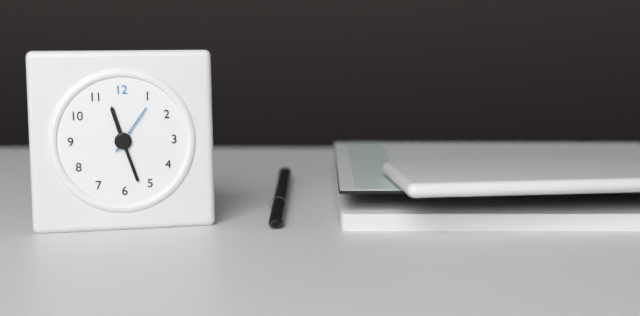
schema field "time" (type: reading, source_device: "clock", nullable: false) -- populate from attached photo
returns 11:27:06
